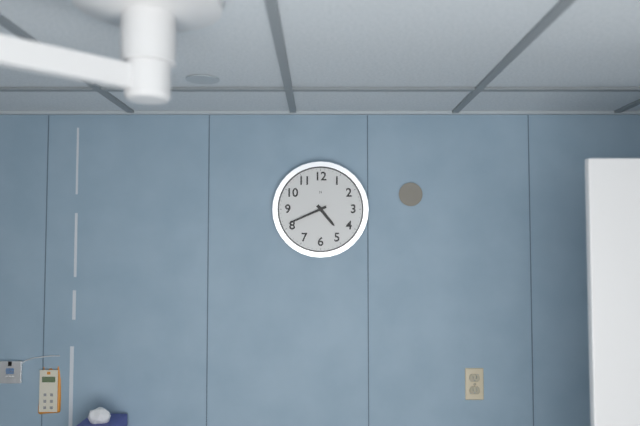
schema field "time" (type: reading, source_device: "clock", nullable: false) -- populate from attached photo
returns 4:41
